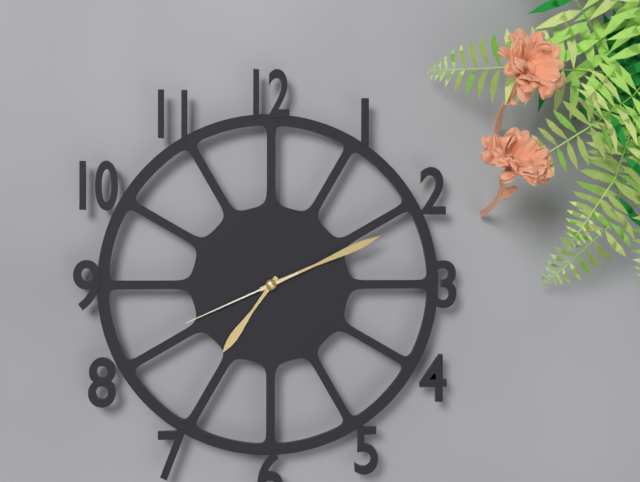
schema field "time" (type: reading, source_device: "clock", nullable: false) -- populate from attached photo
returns 7:11:41
